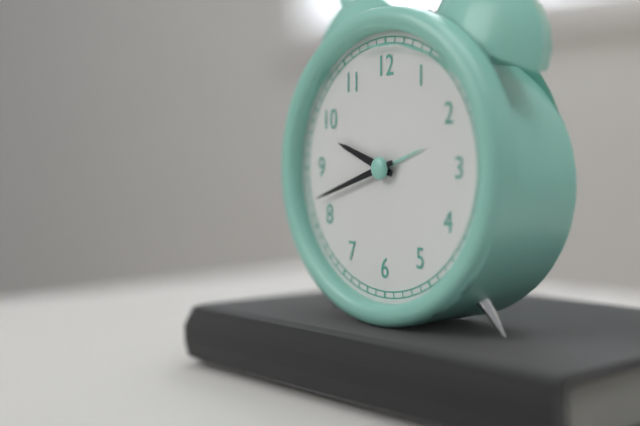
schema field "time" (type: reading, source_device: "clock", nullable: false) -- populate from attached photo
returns 9:42
